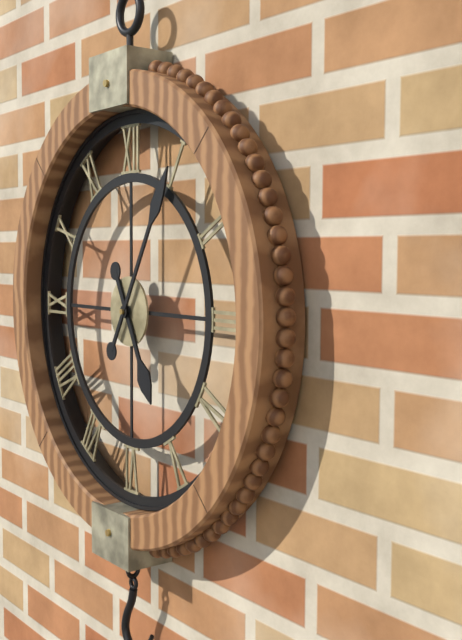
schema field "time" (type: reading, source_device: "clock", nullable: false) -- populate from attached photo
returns 5:05
